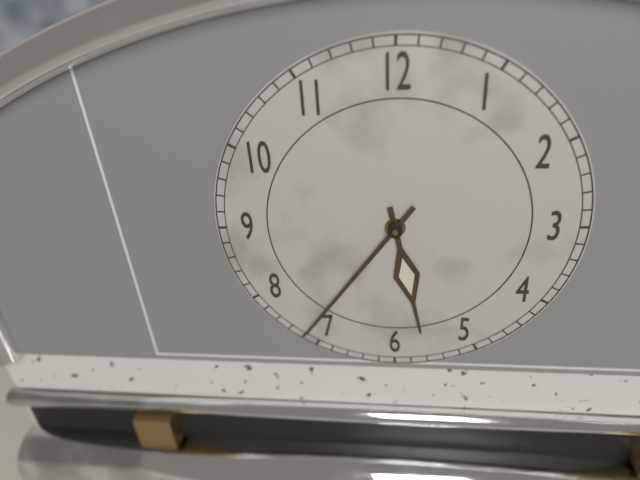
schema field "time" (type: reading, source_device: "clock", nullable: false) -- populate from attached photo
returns 5:36
